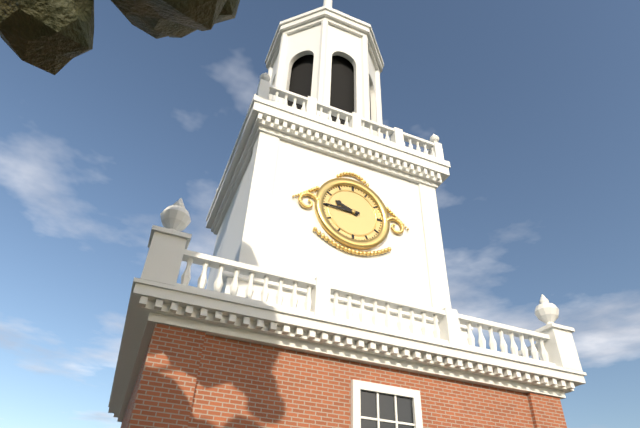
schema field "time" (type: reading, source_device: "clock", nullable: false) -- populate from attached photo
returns 9:45
